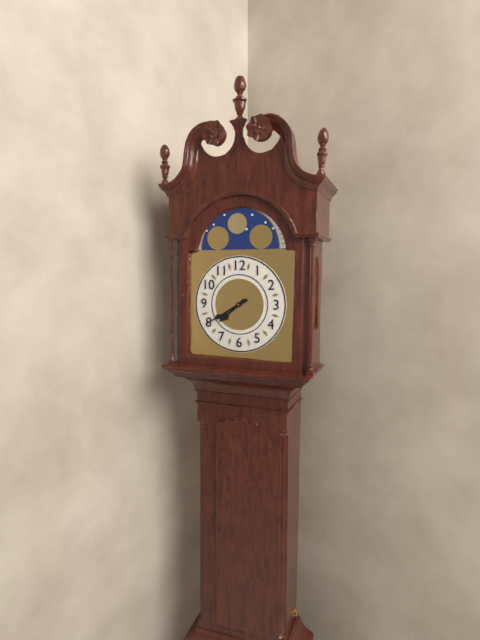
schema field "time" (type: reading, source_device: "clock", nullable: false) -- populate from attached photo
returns 7:40
